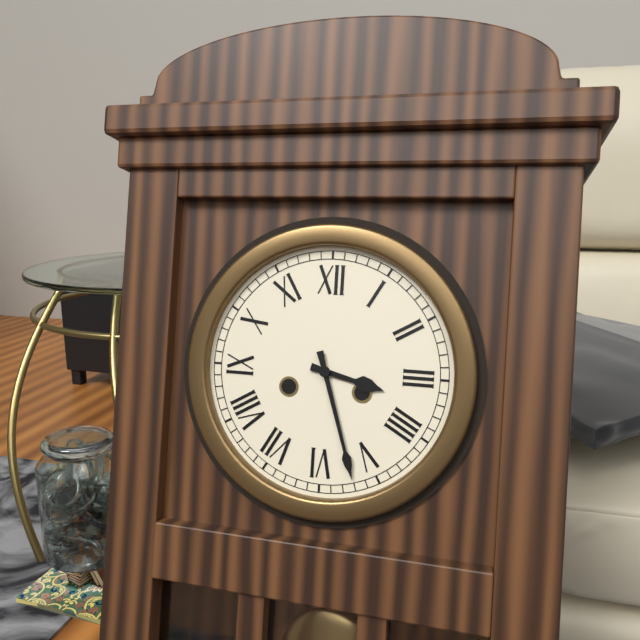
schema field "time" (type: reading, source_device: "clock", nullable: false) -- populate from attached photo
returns 3:27
